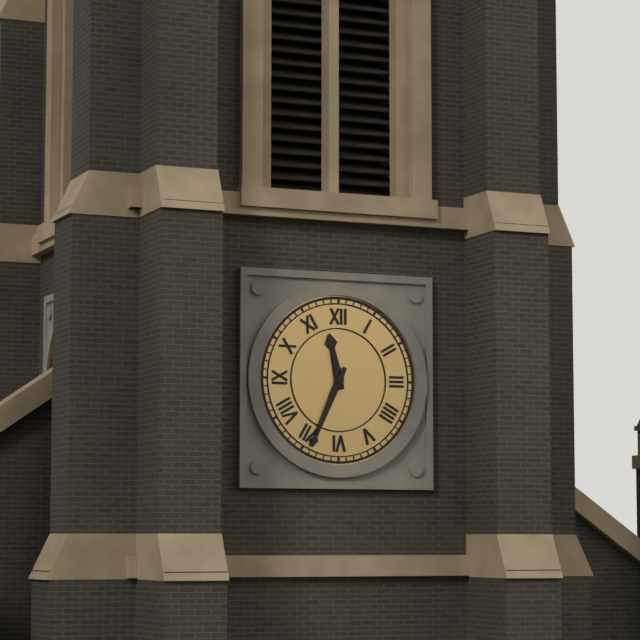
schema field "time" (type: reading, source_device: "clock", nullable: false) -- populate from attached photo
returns 11:34
